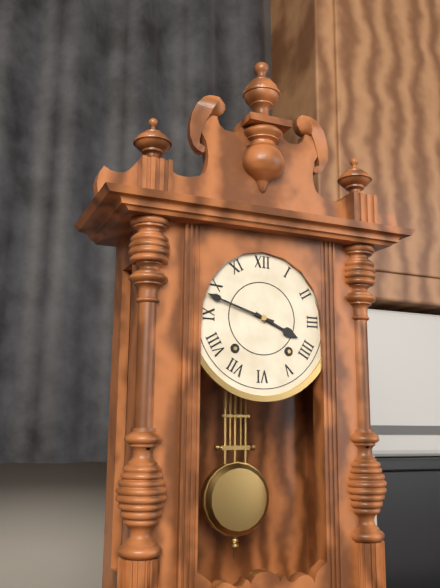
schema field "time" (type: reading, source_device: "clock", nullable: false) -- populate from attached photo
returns 3:48
